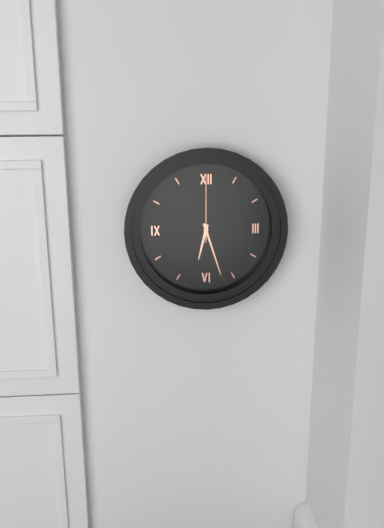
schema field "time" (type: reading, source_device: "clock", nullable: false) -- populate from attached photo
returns 6:27:00
